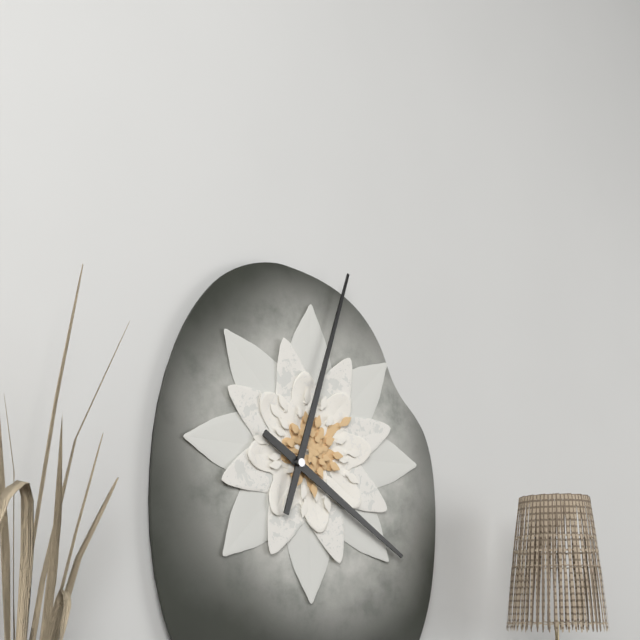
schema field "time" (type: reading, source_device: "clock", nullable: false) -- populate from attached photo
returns 4:03
